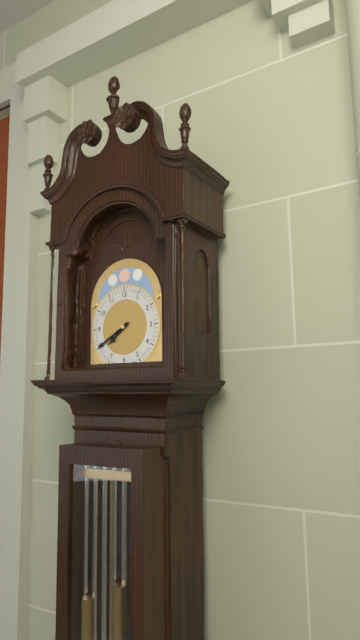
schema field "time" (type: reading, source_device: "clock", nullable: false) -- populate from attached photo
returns 7:40
